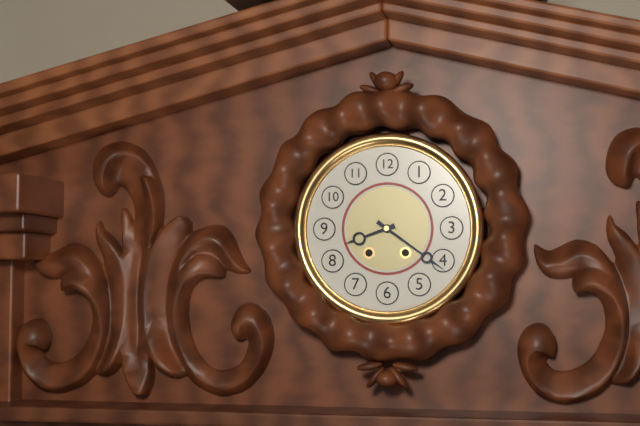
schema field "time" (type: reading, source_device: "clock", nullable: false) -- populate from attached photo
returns 8:21
